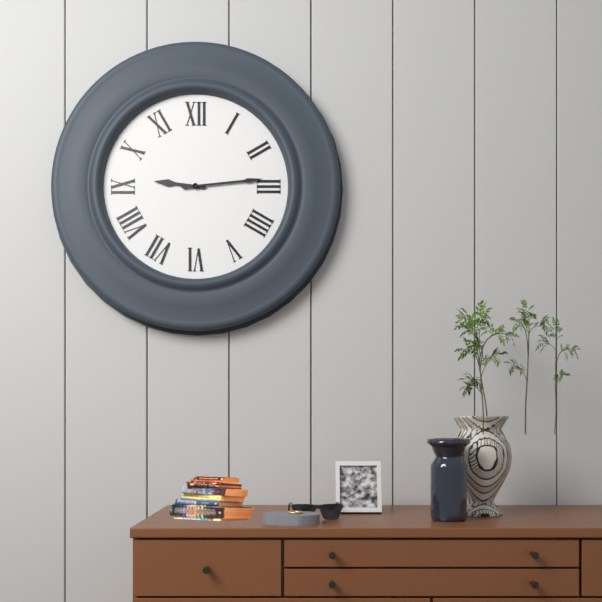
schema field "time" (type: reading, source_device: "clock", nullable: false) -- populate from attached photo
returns 9:14
